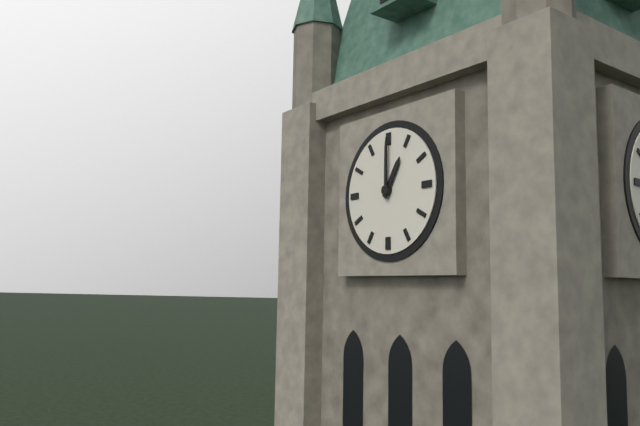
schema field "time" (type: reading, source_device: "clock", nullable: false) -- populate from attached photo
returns 1:00
